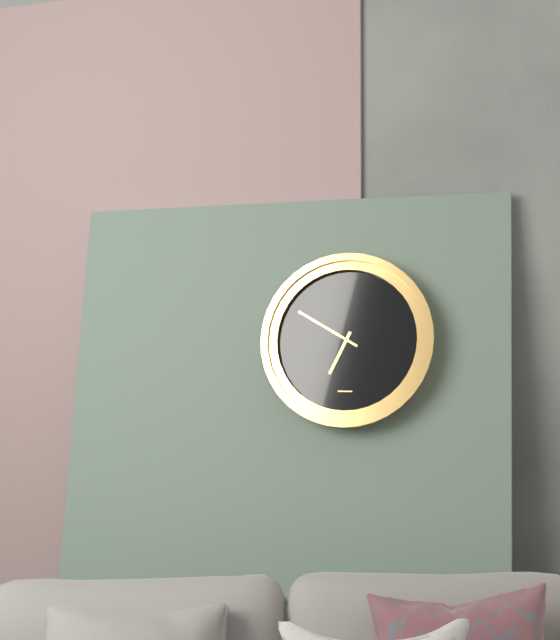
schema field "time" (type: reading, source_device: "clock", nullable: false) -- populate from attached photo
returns 6:50
